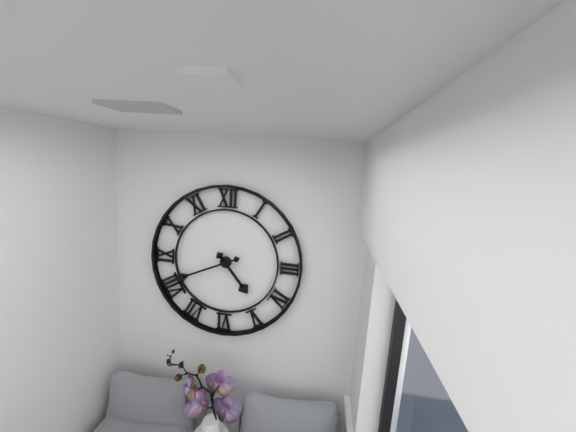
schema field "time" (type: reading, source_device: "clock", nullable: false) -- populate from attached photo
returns 4:41
